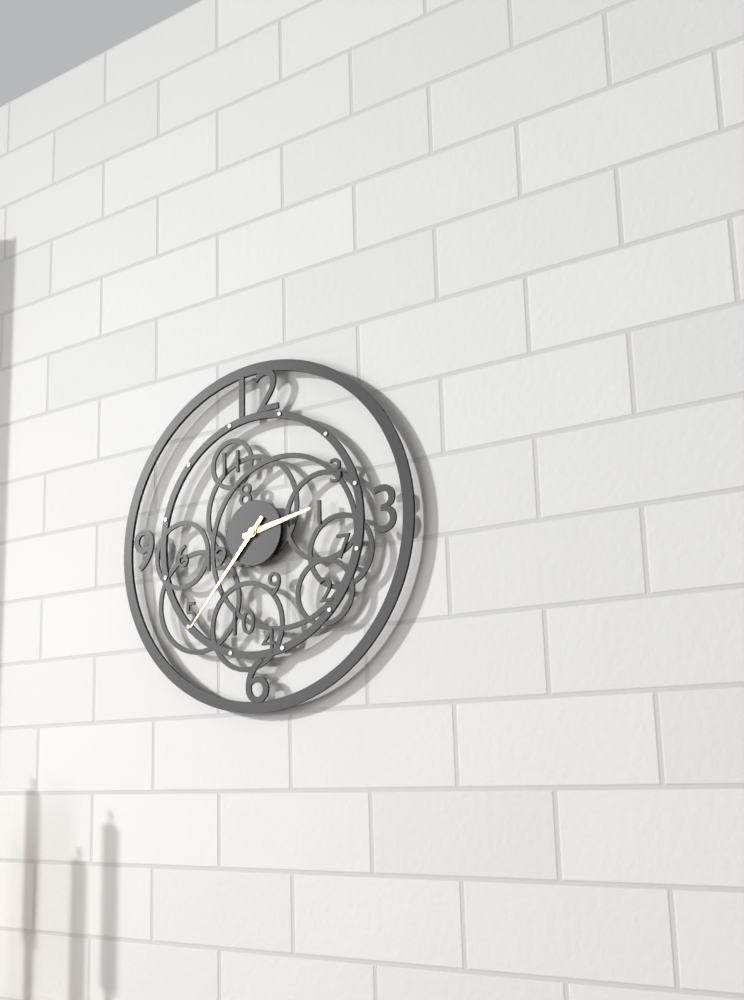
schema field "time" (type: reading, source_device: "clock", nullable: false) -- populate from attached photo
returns 2:37
